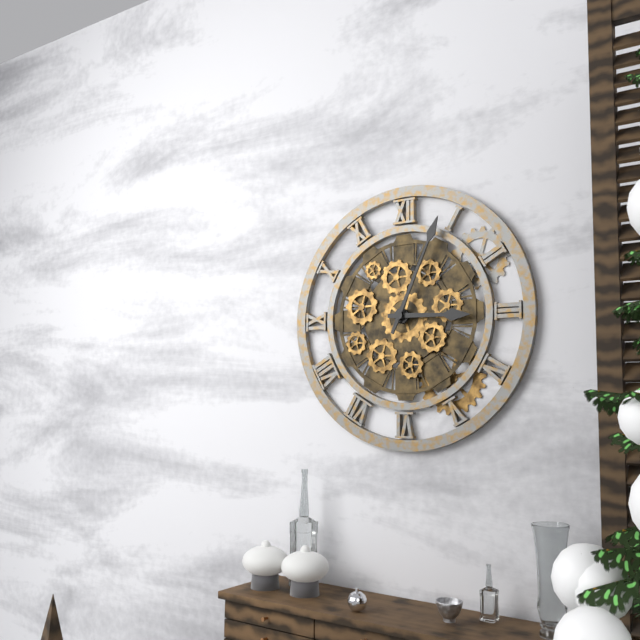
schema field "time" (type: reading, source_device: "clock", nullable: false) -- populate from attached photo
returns 3:04
